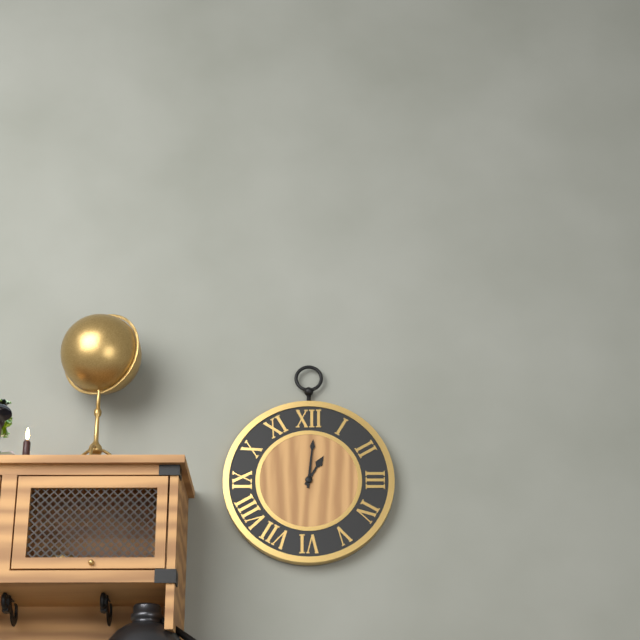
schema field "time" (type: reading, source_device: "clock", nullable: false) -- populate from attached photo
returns 1:01
